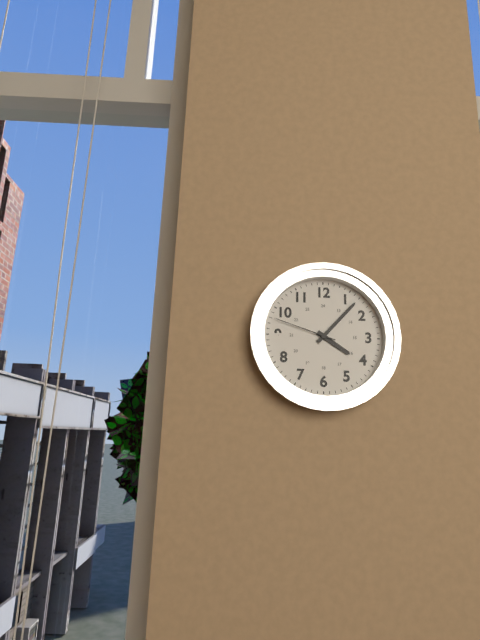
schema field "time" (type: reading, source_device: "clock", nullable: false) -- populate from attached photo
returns 4:07:48
